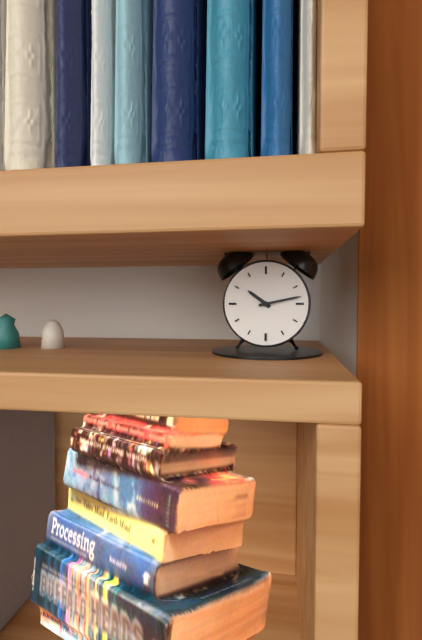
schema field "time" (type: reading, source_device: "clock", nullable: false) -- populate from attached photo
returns 10:13
